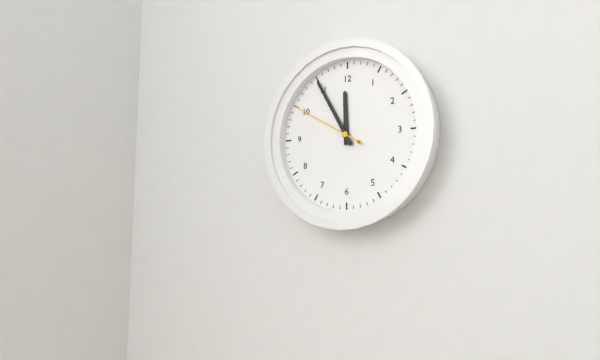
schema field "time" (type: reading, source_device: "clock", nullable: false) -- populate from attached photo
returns 11:55:50
